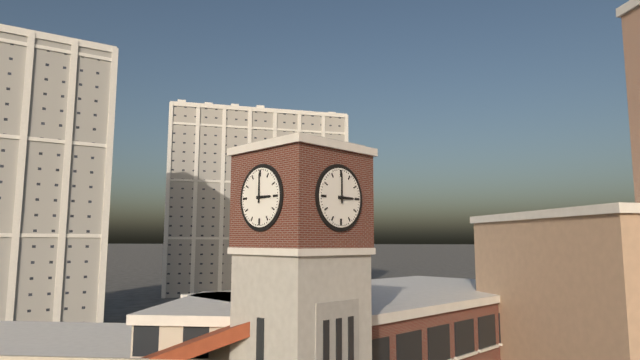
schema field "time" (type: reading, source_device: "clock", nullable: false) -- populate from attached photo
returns 3:00
